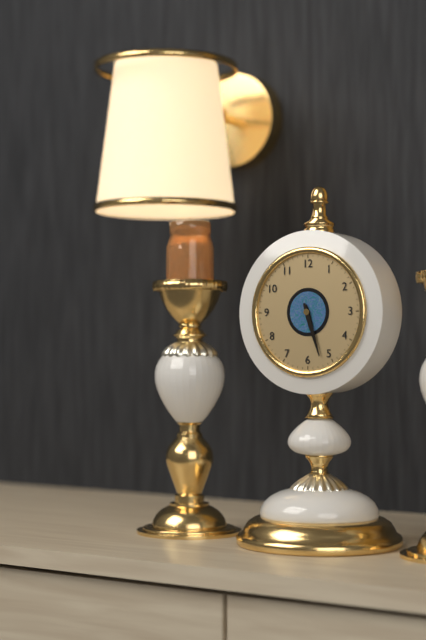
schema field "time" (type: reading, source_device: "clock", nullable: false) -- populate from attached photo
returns 5:27
